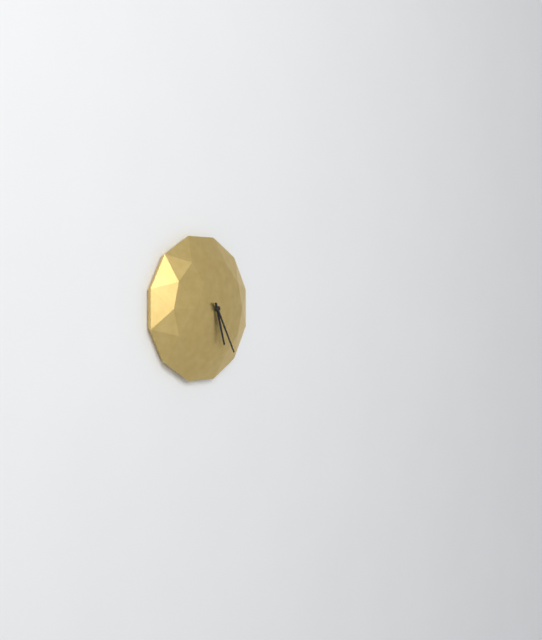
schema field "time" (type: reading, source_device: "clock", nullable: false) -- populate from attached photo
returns 5:25
